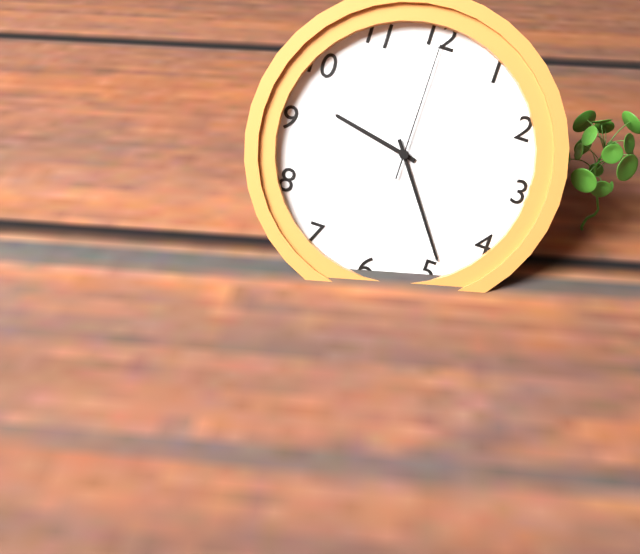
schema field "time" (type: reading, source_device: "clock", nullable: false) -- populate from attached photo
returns 9:24:00
